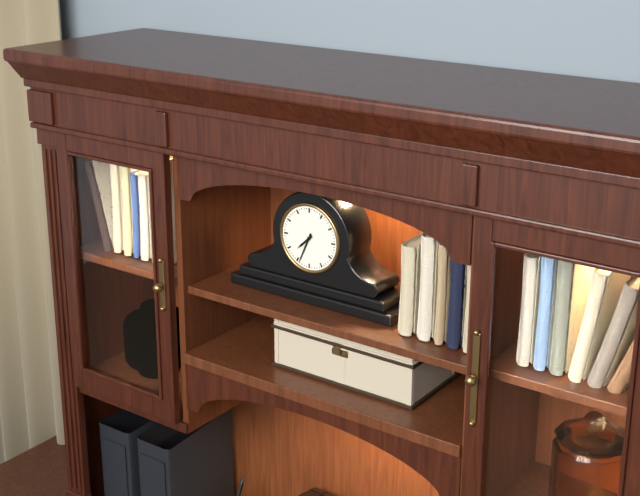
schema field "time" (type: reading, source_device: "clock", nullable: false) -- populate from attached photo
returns 7:34
